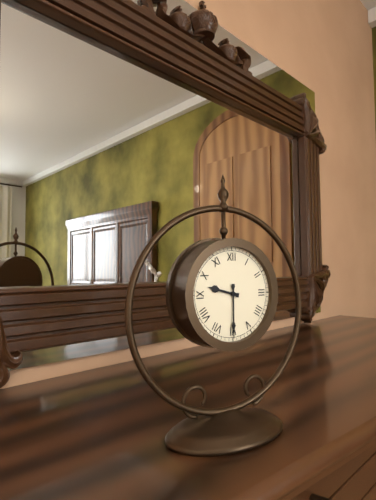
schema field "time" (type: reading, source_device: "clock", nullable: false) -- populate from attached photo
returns 9:30
